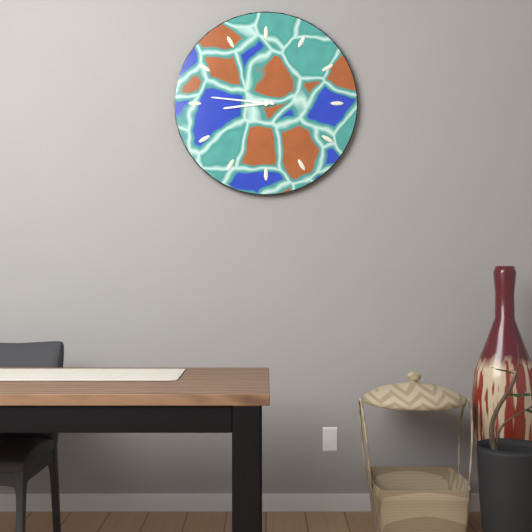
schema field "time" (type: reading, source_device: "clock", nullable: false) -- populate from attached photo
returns 8:46
